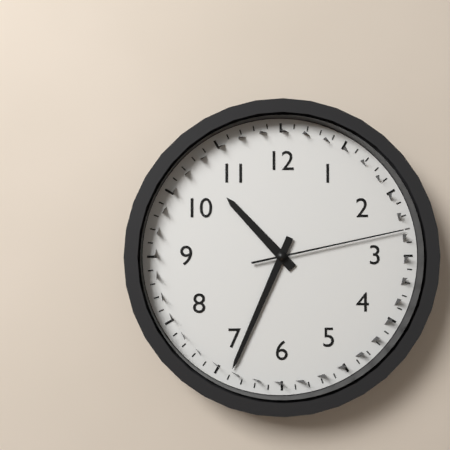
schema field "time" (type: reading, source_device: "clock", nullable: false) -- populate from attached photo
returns 10:34:13
